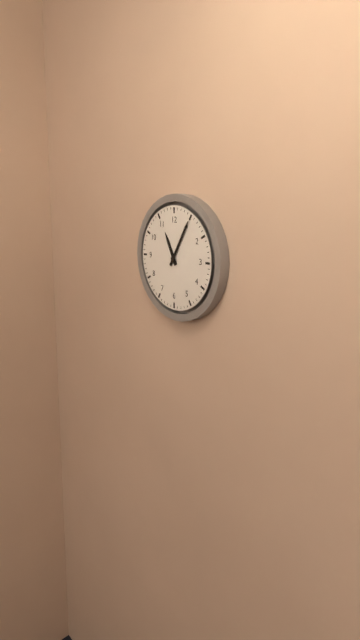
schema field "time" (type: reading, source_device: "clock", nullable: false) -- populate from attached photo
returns 11:05
